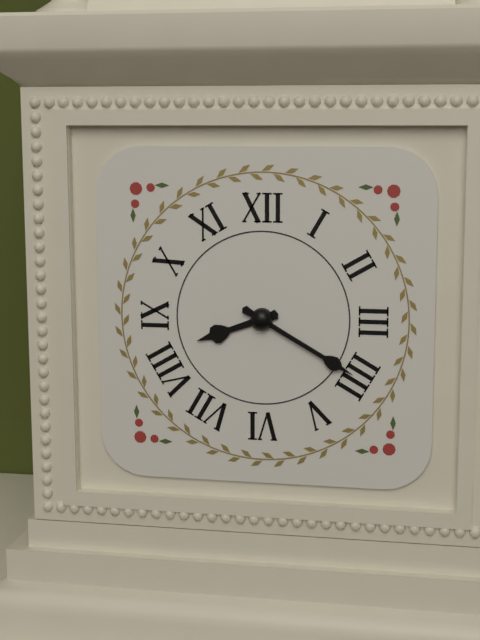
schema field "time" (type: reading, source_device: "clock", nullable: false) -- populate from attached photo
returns 8:20
